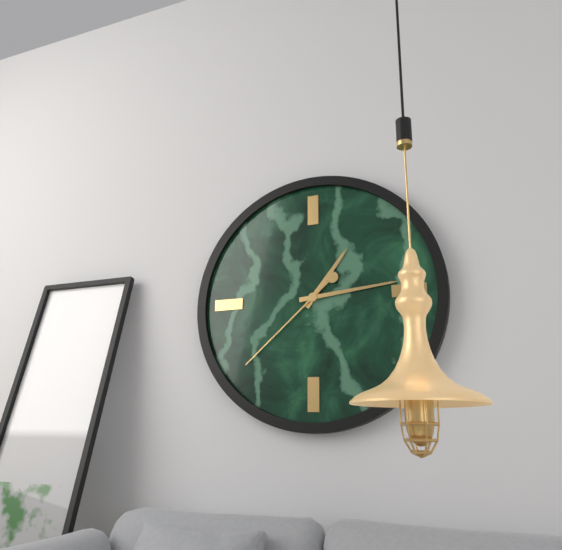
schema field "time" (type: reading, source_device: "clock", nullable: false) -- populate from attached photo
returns 1:14:38
